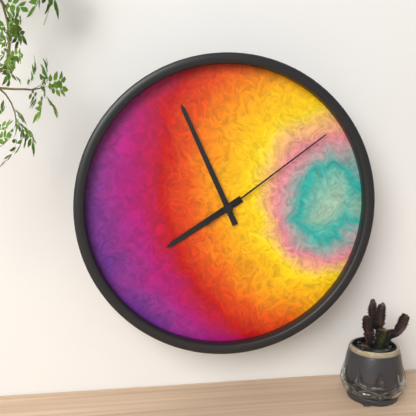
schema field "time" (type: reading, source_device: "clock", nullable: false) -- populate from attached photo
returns 7:56:09
